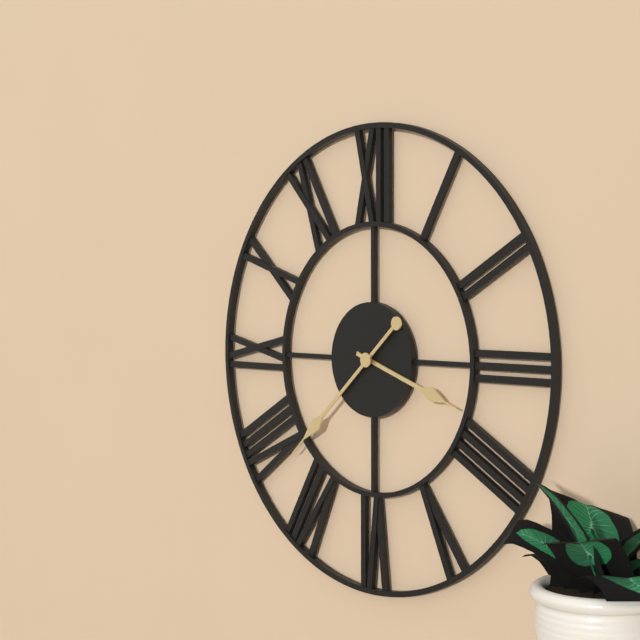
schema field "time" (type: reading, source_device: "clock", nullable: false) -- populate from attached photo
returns 3:38
